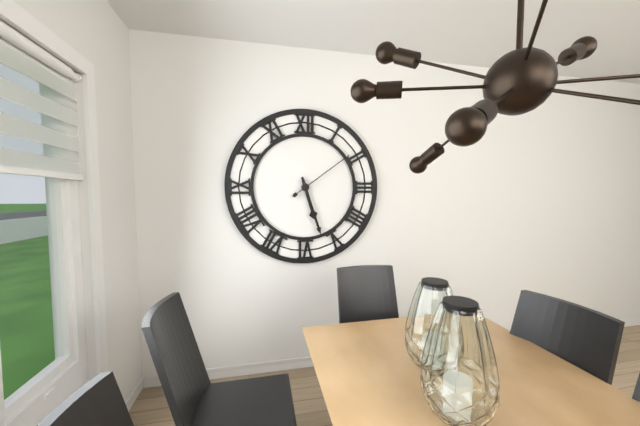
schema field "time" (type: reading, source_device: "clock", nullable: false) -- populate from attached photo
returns 5:27:09
